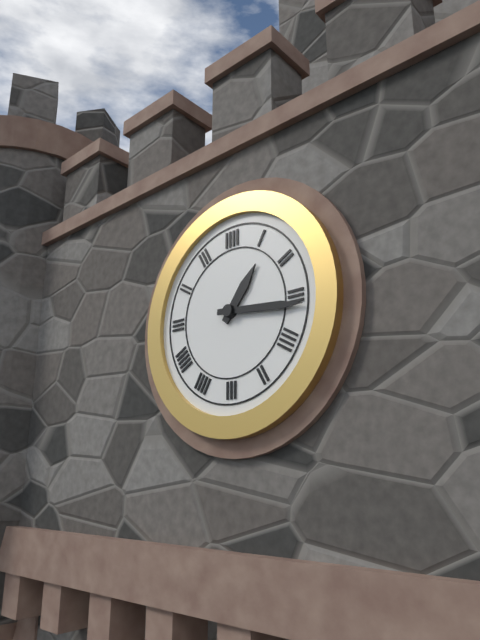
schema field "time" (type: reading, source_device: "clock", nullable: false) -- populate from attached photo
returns 1:16
